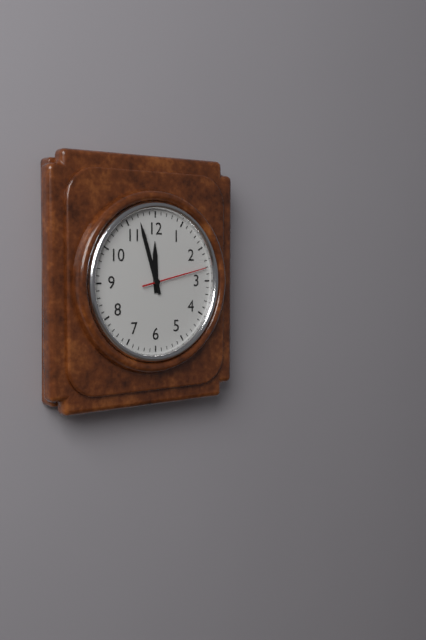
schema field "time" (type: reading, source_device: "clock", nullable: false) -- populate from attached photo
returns 11:57:13
